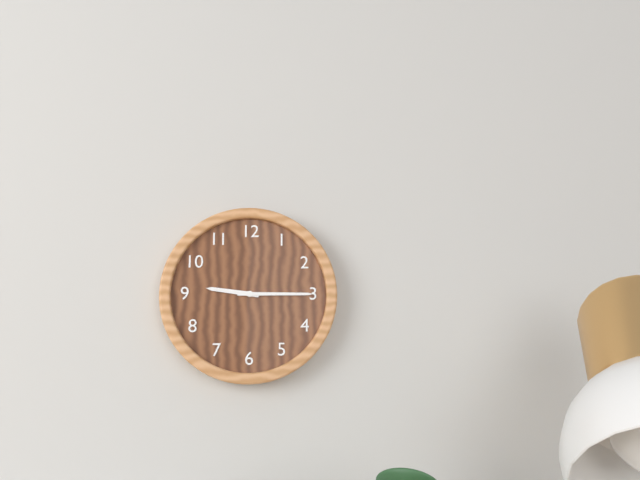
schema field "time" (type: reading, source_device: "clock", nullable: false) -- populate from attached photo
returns 9:15
